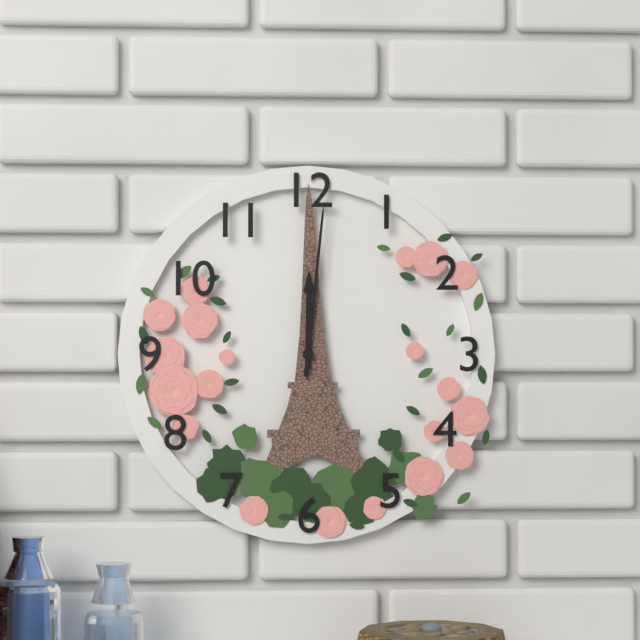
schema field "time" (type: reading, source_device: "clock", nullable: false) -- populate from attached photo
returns 12:01
